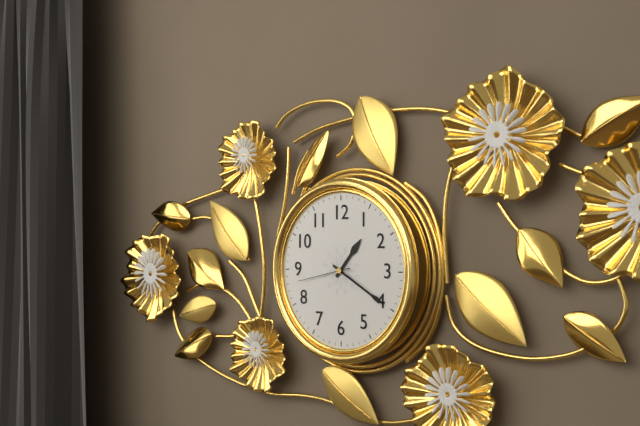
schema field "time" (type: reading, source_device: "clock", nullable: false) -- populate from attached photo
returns 1:20:43
